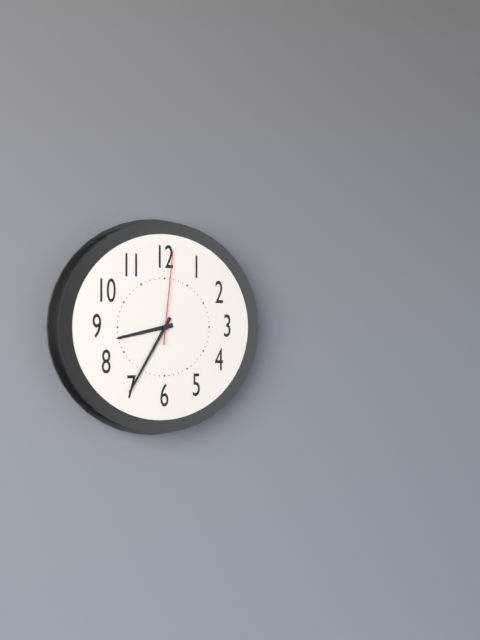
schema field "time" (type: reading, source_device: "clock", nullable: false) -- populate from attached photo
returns 8:35:01
